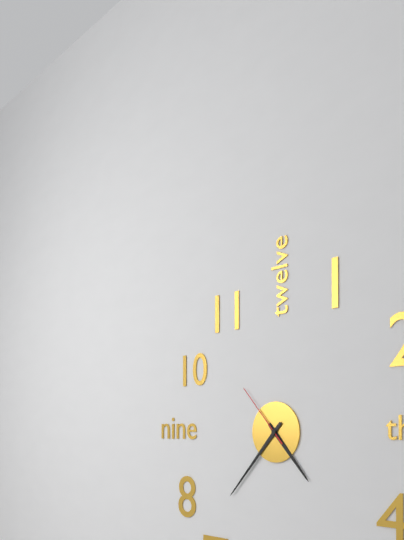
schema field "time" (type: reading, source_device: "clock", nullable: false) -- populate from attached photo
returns 4:37:53
